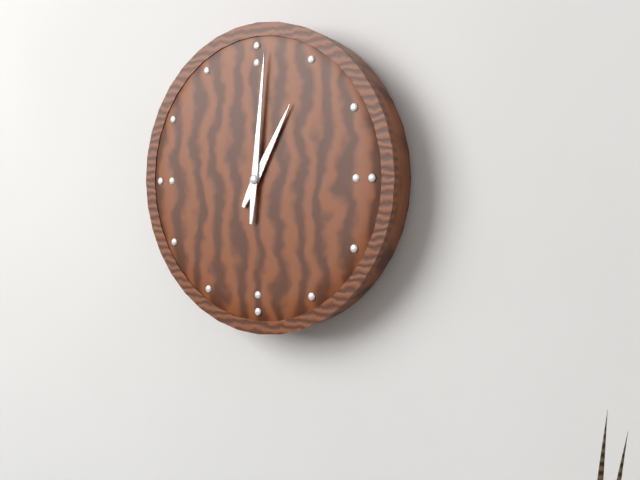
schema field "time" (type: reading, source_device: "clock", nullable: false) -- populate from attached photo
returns 1:01
